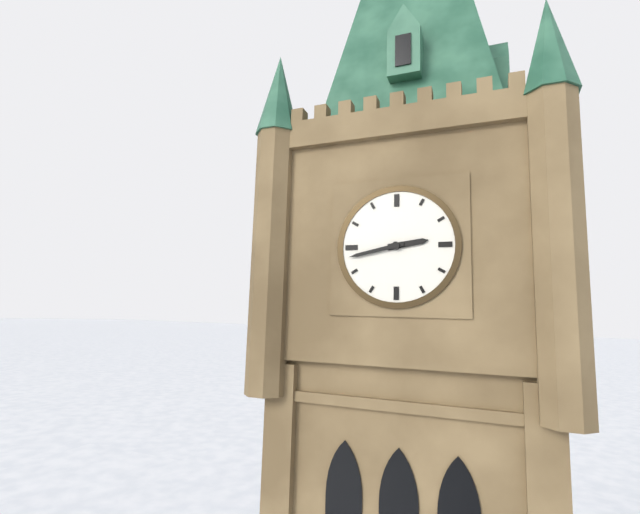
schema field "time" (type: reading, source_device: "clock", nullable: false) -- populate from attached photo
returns 2:43
